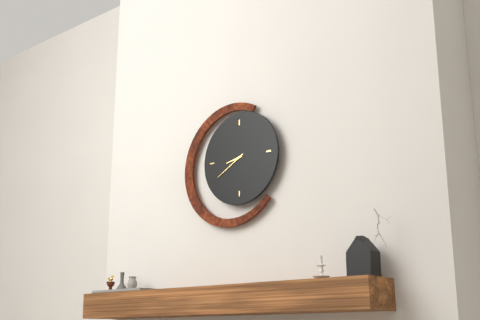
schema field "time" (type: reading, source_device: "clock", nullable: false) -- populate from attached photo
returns 8:40
